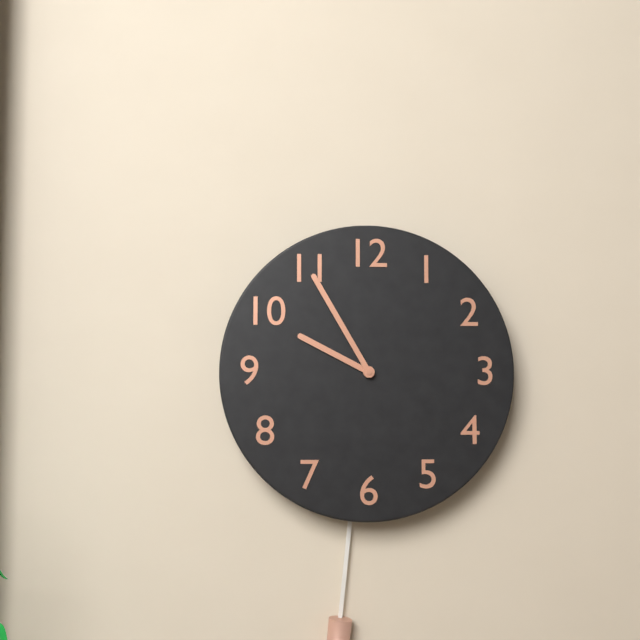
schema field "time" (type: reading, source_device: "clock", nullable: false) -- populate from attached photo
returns 9:55
